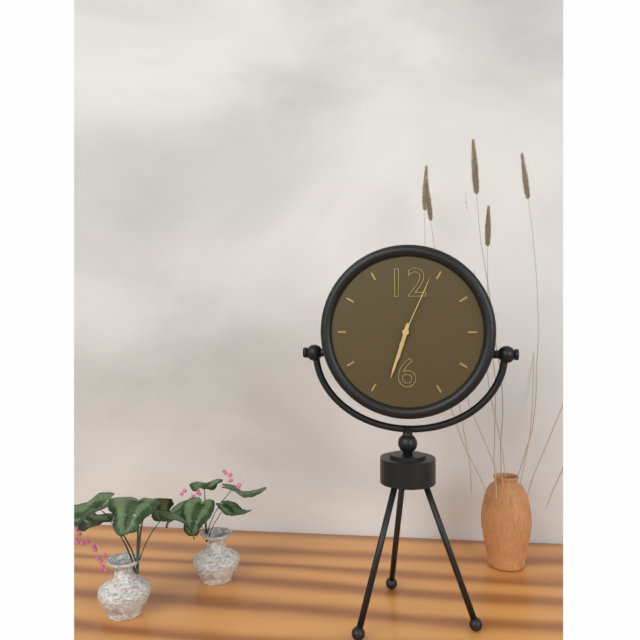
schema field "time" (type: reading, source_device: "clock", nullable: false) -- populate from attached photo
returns 6:33:04
